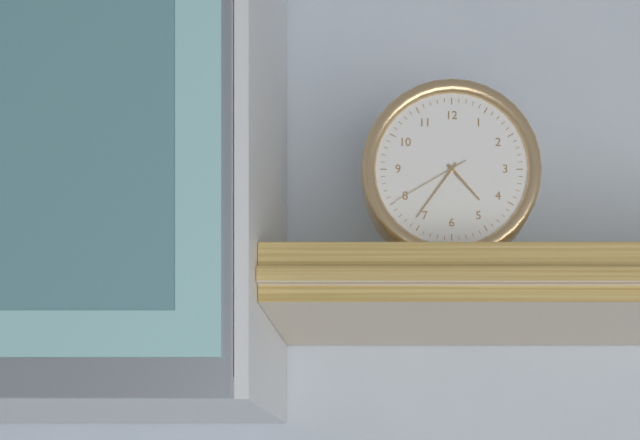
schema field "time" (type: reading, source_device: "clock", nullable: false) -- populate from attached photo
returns 4:36:40
